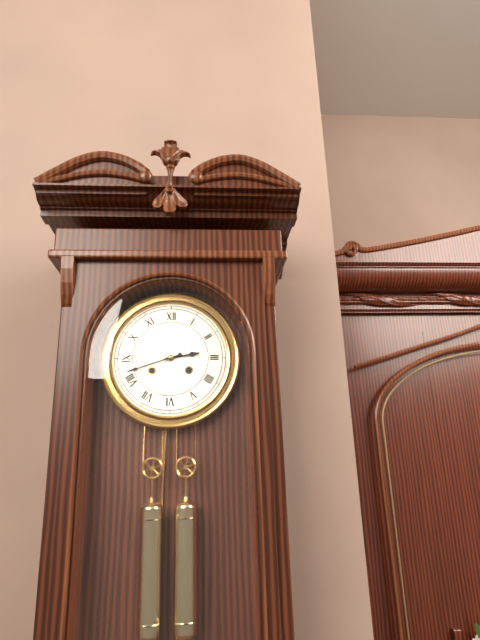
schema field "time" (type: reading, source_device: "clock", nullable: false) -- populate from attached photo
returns 2:42
